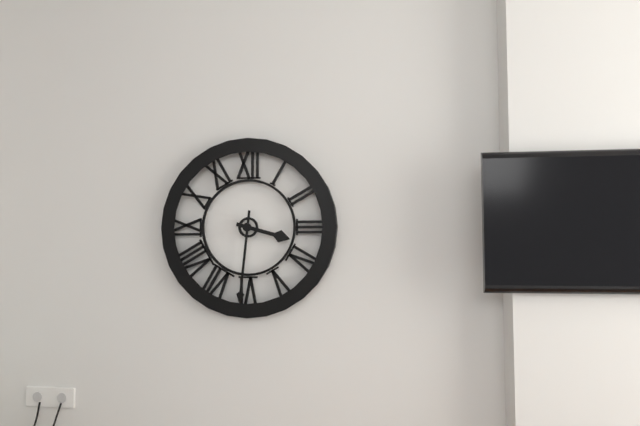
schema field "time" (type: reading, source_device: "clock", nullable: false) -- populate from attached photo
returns 3:31
